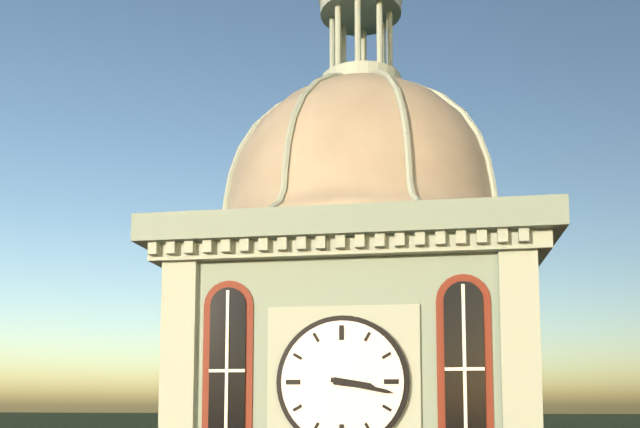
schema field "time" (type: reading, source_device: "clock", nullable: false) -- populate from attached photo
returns 3:17
